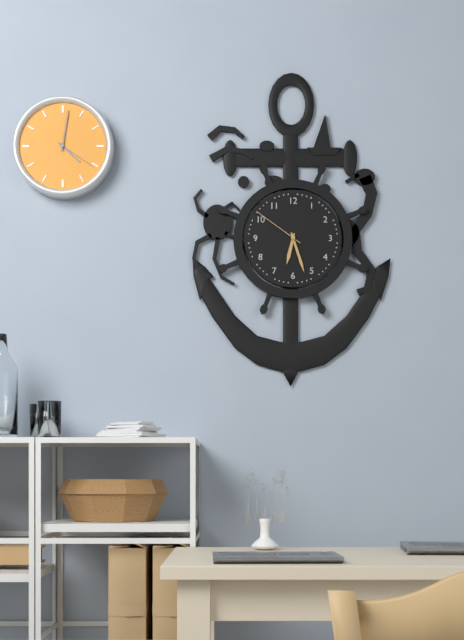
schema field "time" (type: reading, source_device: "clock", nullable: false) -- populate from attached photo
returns 6:27:51
